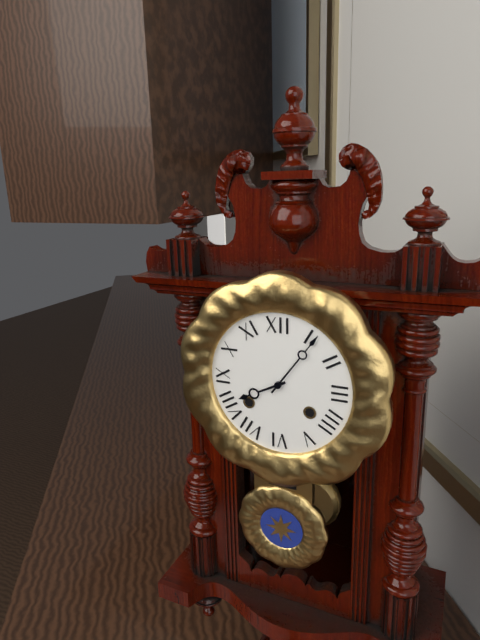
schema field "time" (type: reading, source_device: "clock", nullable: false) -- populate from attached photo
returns 8:06
